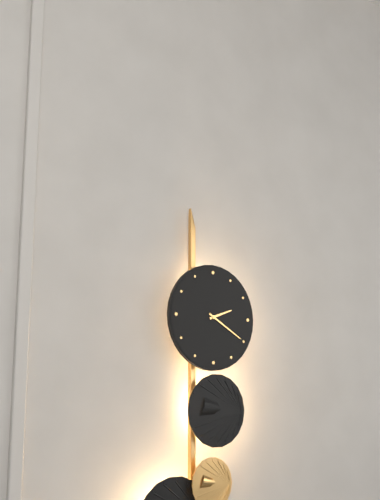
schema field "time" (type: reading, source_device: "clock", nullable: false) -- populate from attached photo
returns 2:20
